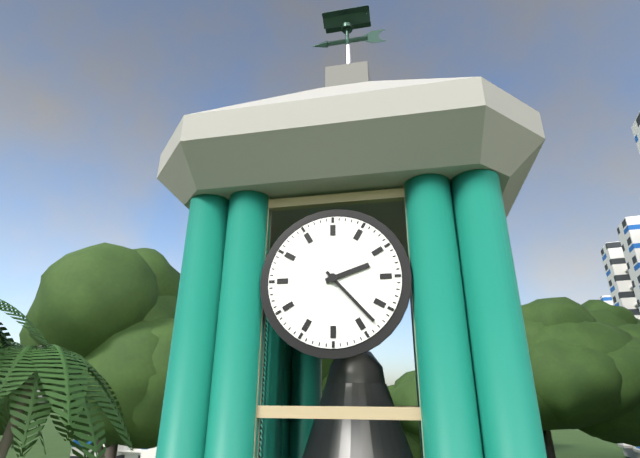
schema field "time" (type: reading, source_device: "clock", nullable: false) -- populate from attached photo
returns 2:23
